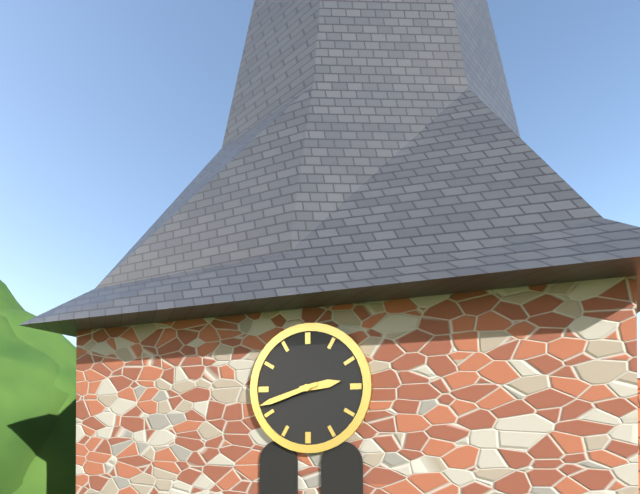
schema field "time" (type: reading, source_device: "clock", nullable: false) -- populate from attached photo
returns 2:42
